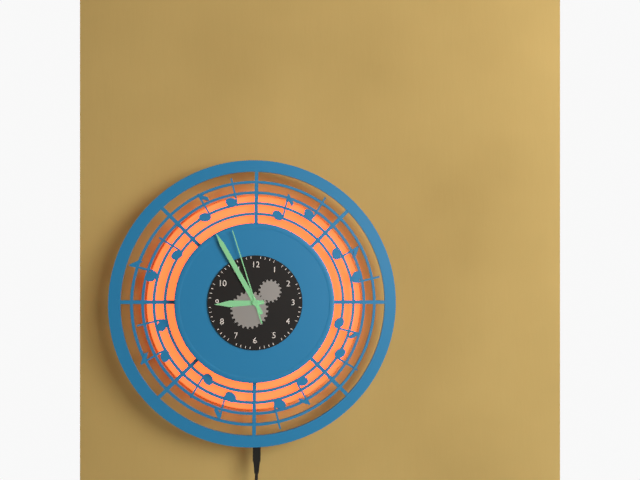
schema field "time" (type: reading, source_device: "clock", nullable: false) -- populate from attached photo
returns 8:55:57
